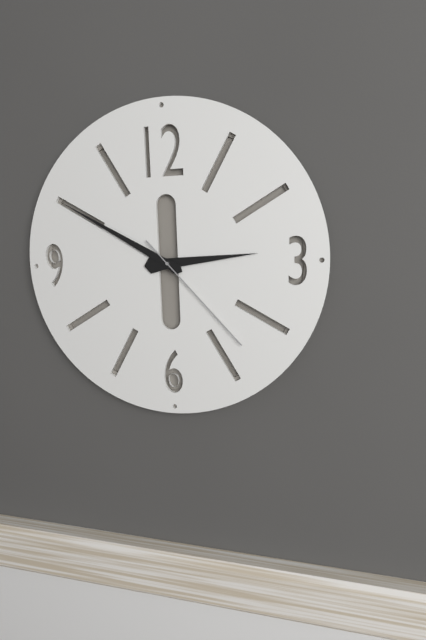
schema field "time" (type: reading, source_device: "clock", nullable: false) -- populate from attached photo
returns 2:50:23
